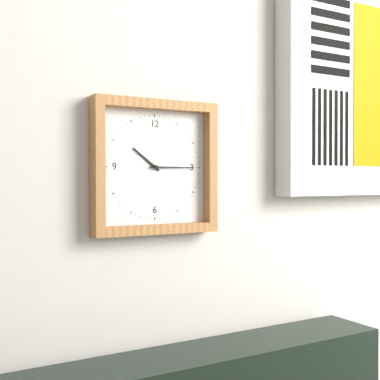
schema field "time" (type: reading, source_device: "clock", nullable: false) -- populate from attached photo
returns 10:15
